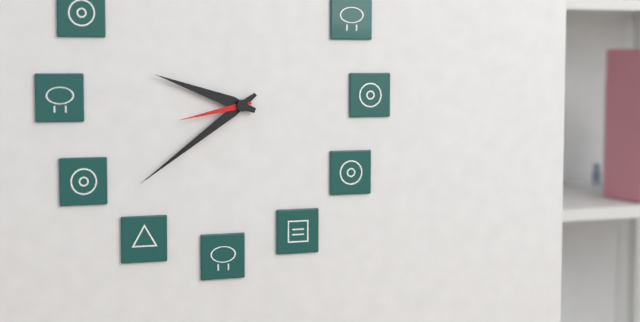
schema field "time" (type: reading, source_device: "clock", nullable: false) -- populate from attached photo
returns 9:39:43
